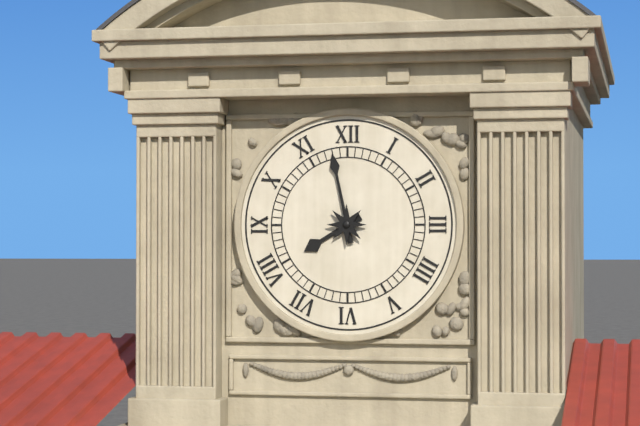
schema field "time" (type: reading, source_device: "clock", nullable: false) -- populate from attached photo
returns 7:58
